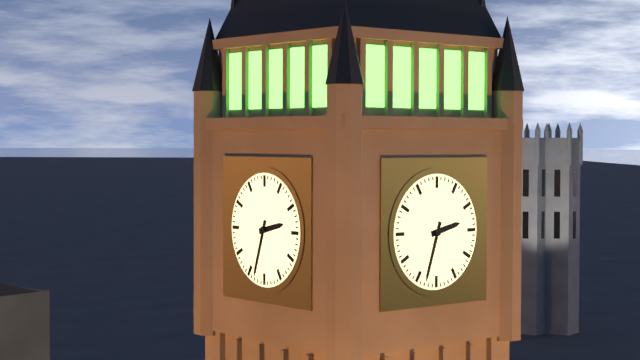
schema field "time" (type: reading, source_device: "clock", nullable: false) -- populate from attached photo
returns 2:33
